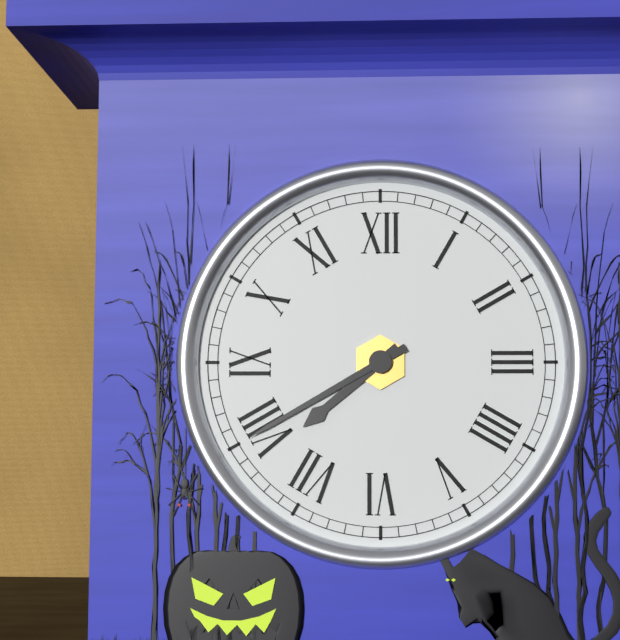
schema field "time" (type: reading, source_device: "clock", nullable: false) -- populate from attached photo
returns 7:40
